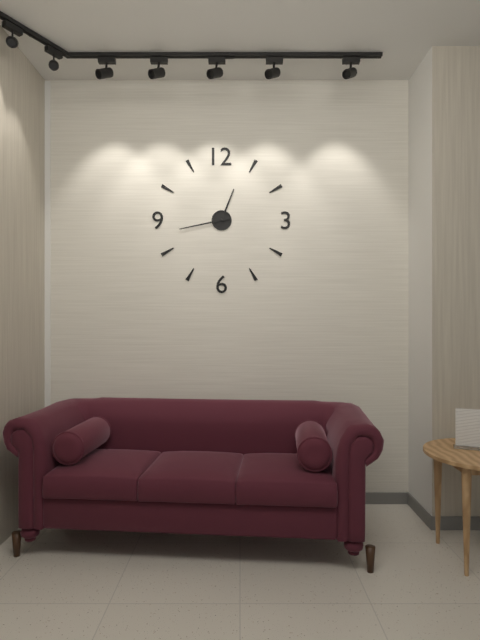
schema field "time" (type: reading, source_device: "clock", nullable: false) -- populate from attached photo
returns 12:43
